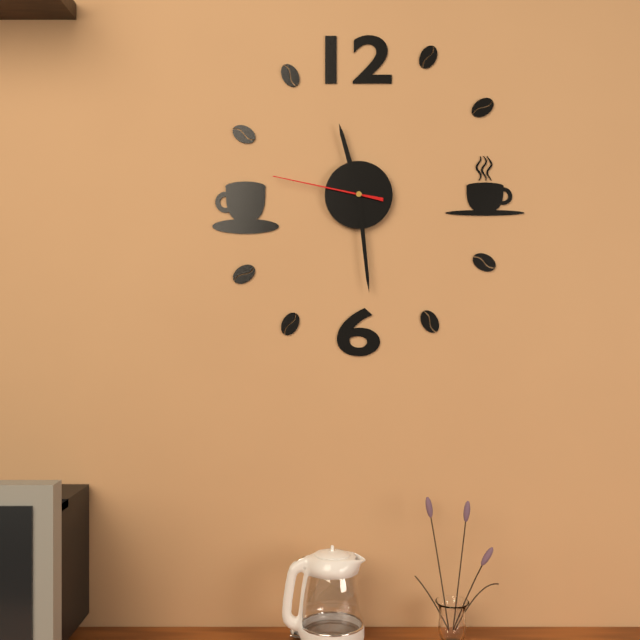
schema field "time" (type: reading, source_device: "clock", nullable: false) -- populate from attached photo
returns 11:29:47
